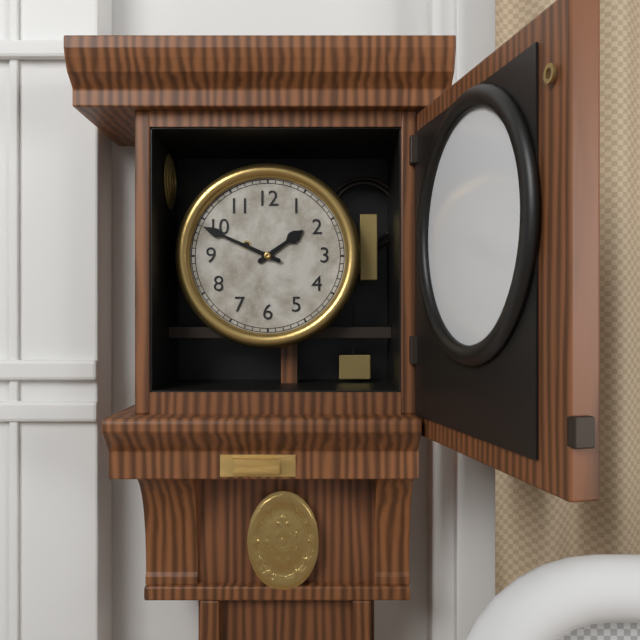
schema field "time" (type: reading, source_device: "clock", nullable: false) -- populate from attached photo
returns 1:49
